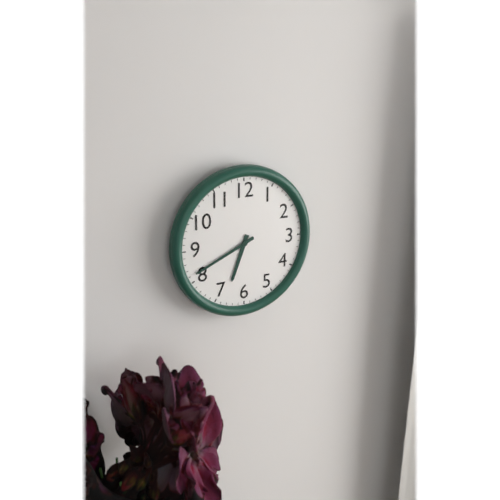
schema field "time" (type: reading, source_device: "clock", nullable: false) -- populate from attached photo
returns 6:41
